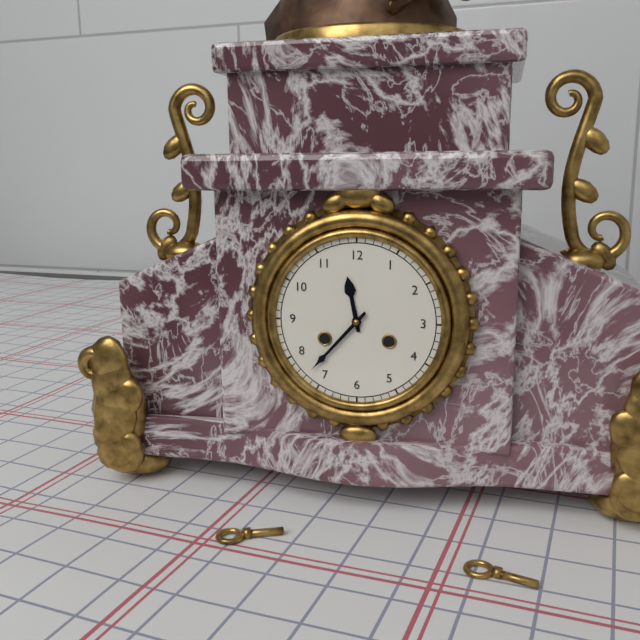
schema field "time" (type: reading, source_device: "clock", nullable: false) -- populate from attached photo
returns 11:37
